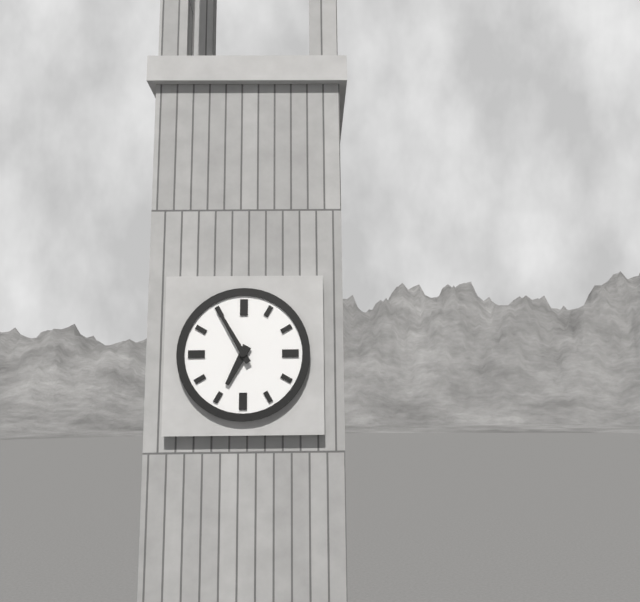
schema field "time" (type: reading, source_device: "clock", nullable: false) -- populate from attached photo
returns 6:55
